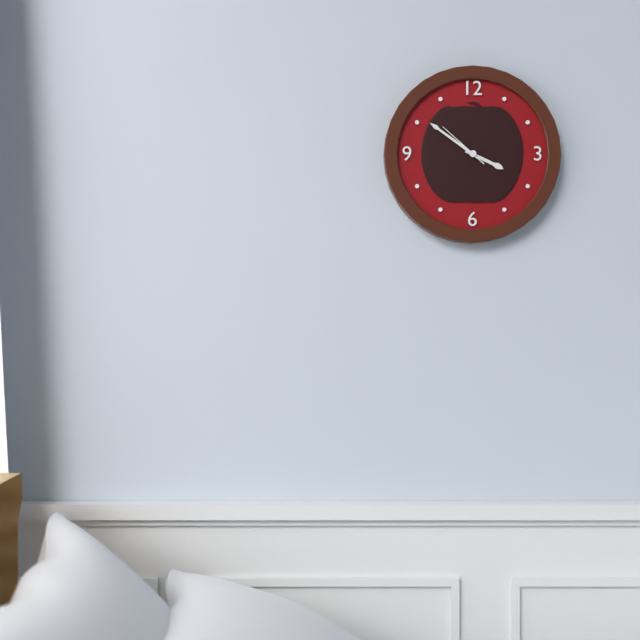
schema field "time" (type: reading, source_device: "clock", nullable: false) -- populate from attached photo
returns 3:51:52
